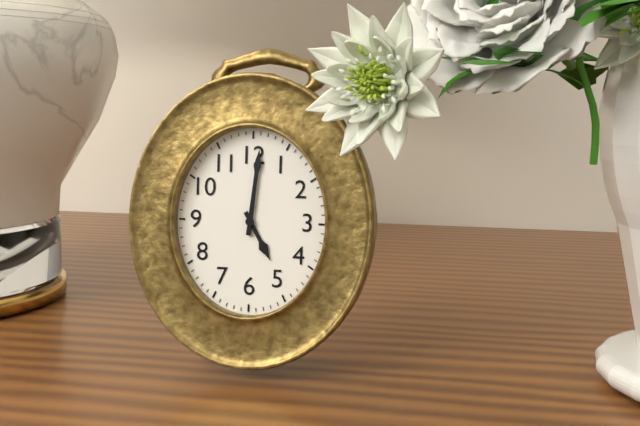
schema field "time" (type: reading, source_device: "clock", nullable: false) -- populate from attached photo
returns 5:01
